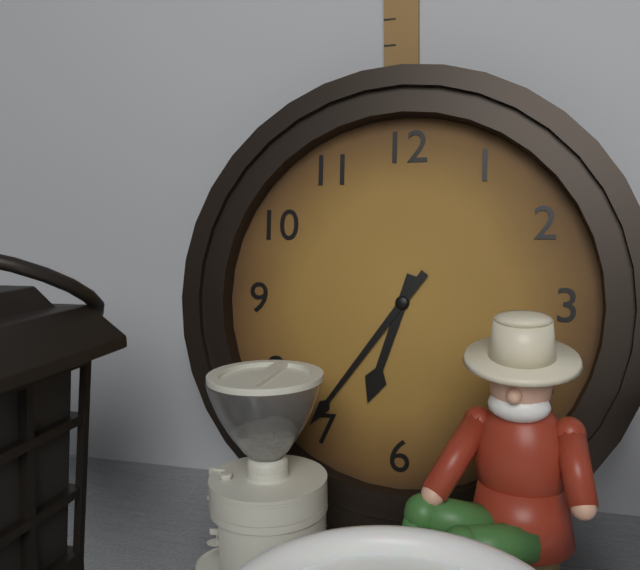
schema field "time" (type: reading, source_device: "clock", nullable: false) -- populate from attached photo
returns 6:36
